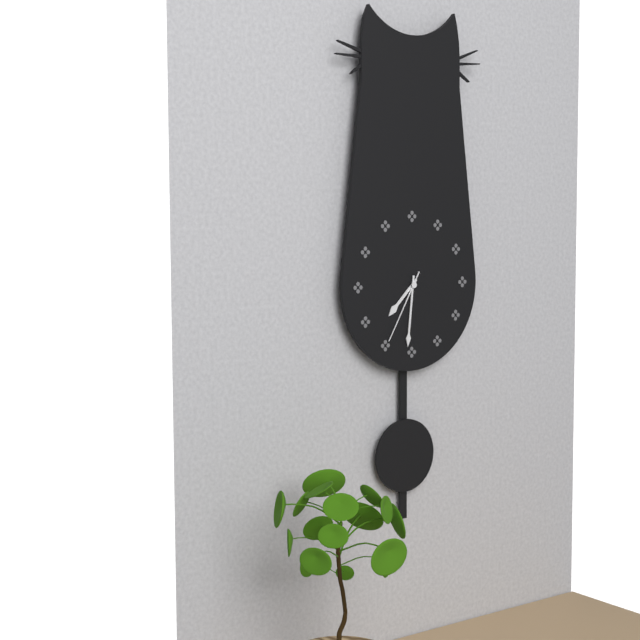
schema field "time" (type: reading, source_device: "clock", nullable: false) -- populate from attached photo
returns 7:31:35
